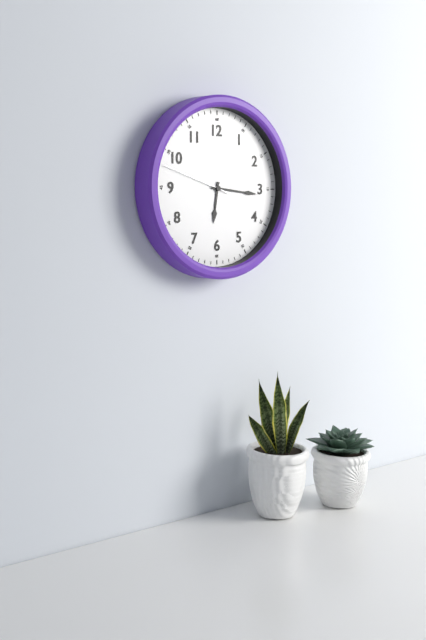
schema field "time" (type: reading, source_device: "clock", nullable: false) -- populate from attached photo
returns 6:16:48
